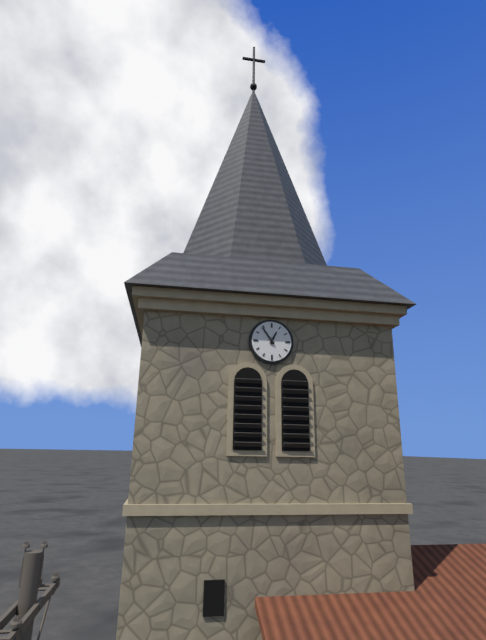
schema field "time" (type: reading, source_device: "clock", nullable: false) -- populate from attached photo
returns 12:54
